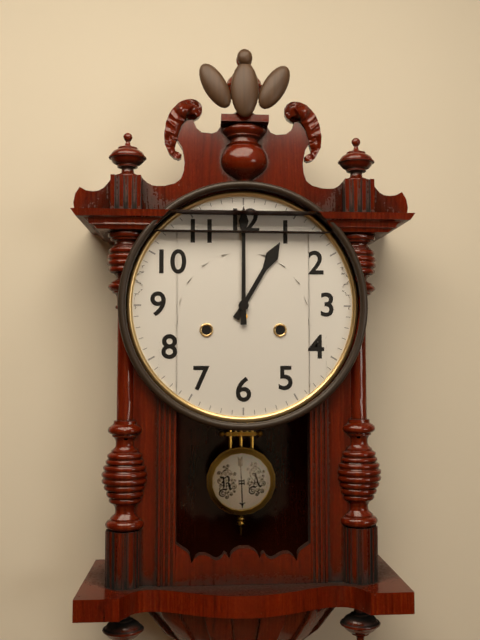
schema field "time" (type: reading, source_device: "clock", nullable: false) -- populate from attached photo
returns 1:00
